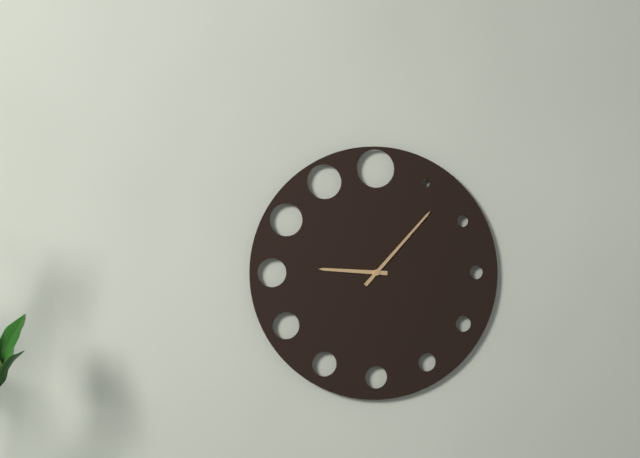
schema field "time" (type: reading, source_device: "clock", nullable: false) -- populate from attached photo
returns 9:07
